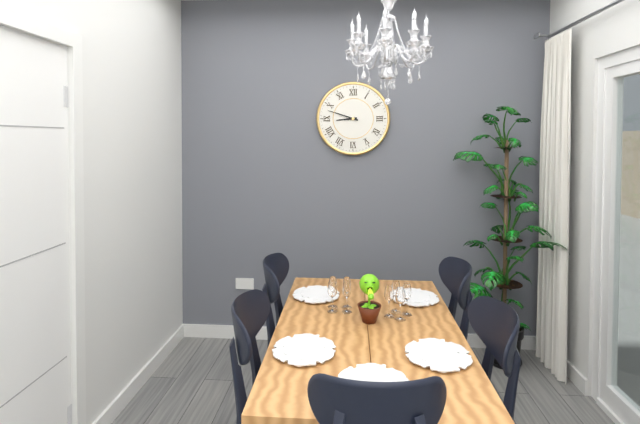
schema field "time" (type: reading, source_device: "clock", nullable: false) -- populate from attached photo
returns 8:48
